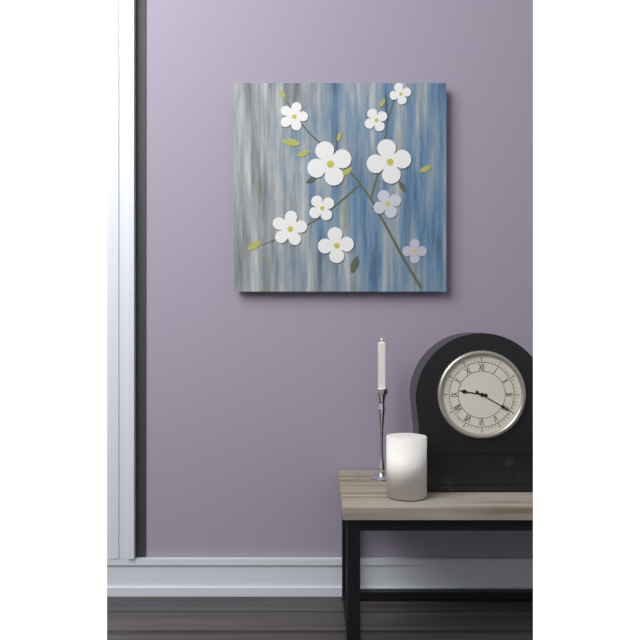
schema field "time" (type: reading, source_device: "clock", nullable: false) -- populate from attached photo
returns 9:20
